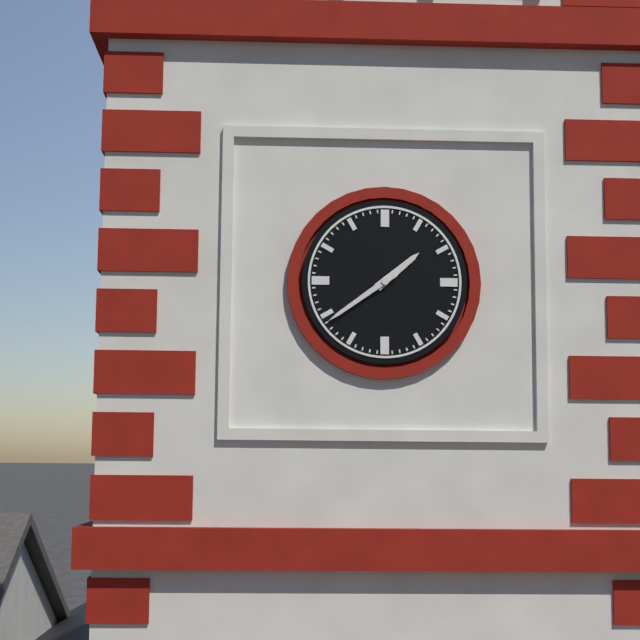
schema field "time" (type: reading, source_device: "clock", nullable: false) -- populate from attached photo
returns 1:39
